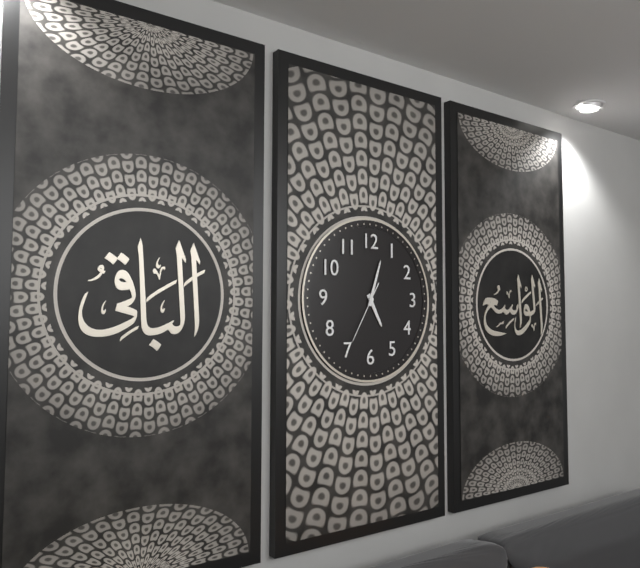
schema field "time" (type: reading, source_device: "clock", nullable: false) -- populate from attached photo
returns 5:03:35
